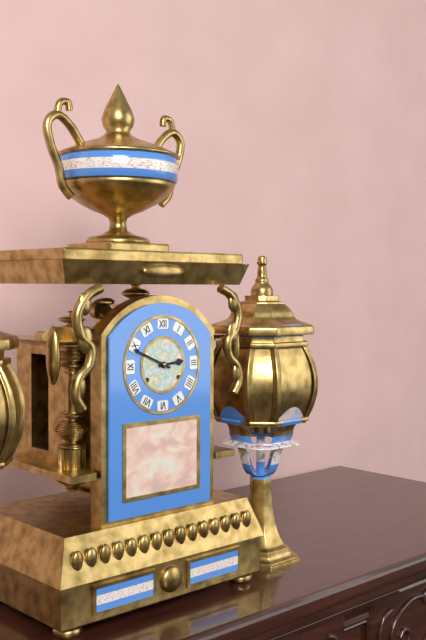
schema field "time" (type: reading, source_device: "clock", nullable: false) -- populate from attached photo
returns 2:49
